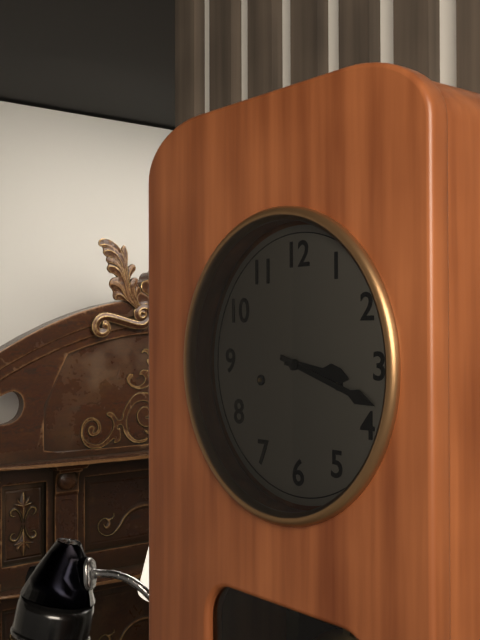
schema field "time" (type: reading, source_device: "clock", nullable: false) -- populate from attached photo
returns 3:18
